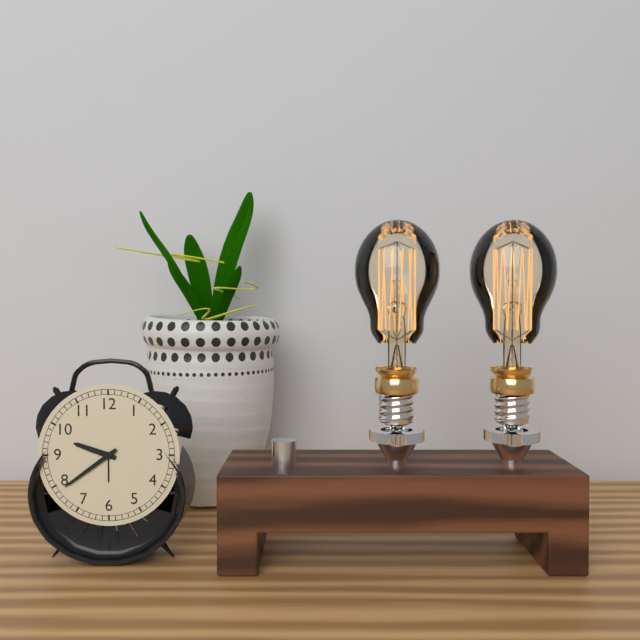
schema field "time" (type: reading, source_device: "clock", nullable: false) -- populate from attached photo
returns 9:39
